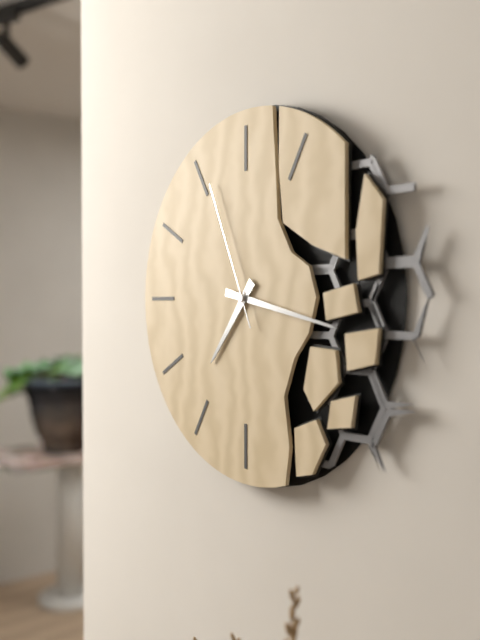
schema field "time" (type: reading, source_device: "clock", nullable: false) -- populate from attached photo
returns 7:17:56
